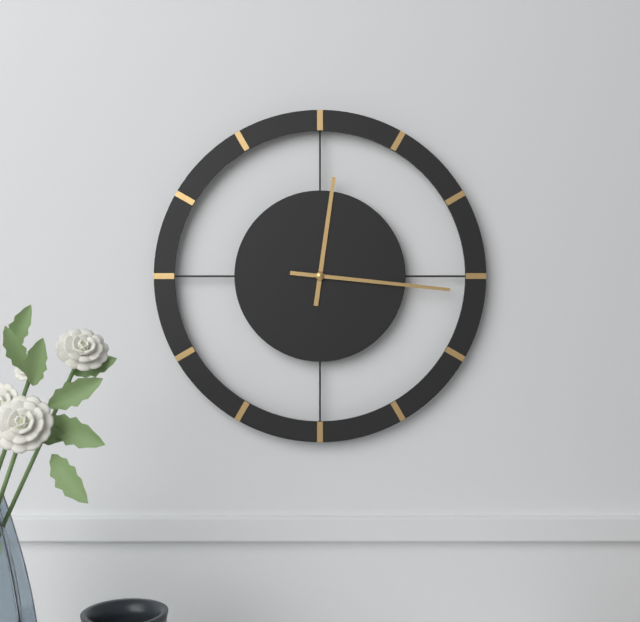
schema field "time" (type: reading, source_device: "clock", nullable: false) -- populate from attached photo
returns 12:16
